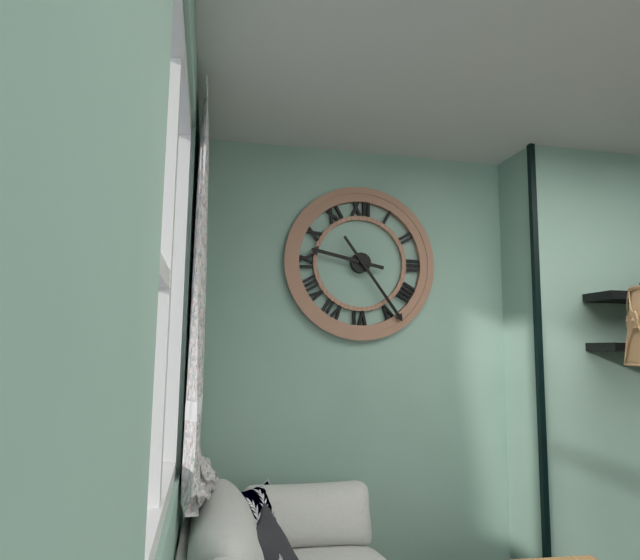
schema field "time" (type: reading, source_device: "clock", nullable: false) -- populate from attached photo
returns 9:24
